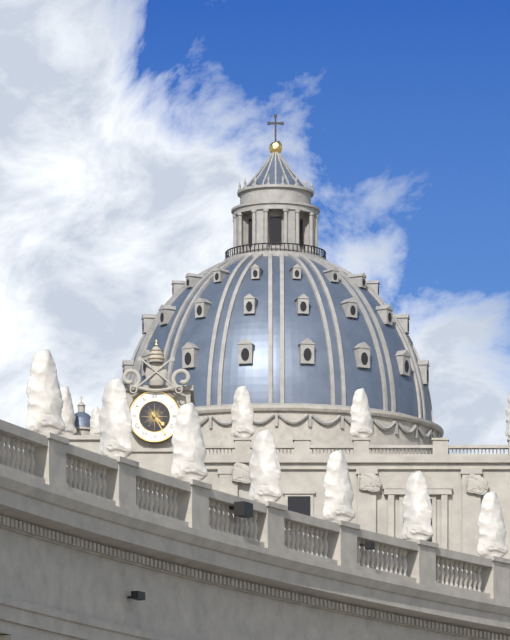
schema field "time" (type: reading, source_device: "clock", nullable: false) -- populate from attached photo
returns 4:25
